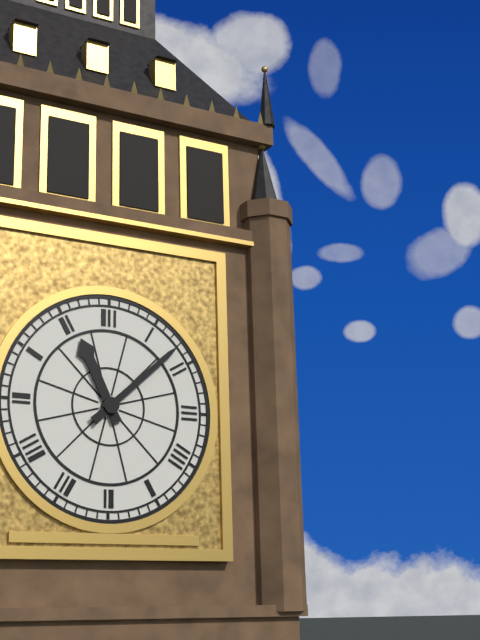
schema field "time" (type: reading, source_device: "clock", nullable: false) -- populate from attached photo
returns 11:08
